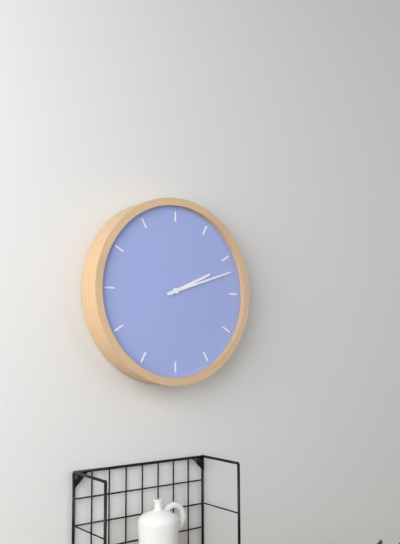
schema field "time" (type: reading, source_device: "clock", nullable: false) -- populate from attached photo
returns 2:12
